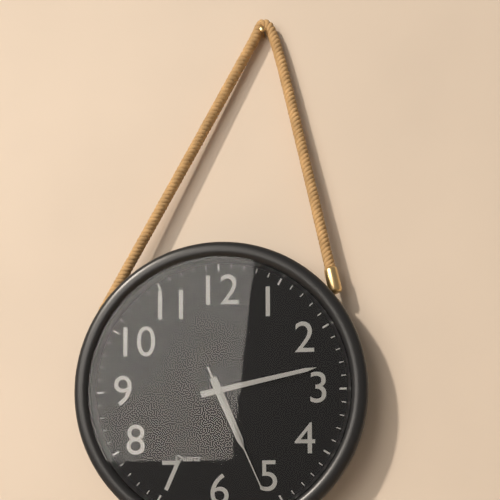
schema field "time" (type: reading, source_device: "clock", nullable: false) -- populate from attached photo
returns 5:13:26
